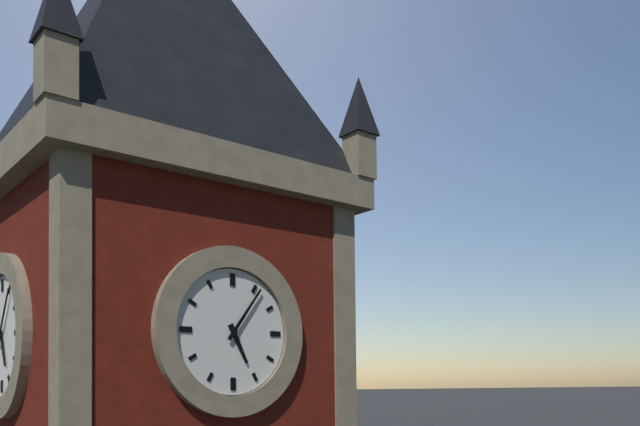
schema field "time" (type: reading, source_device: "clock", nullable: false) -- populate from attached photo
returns 5:06
